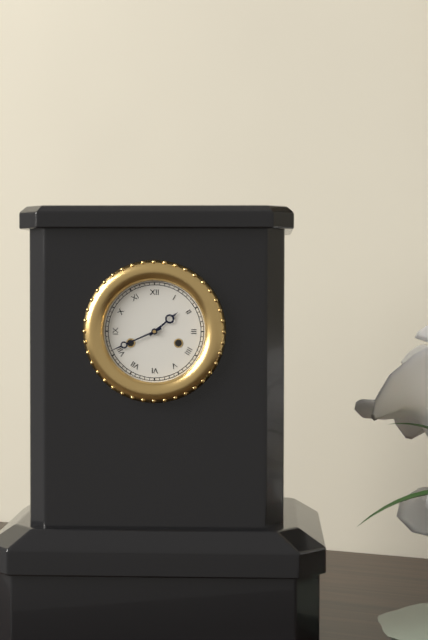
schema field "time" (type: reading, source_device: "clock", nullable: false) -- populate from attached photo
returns 1:41
